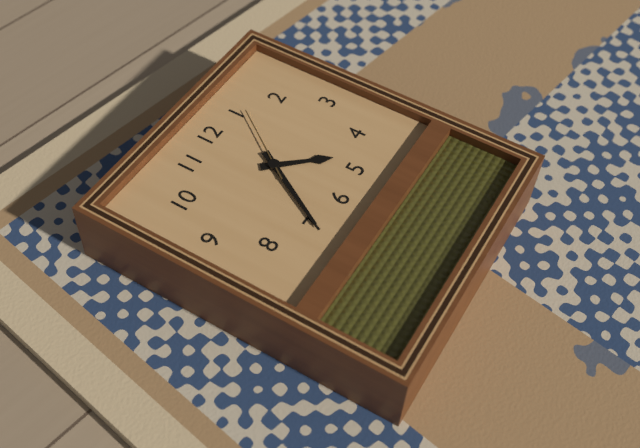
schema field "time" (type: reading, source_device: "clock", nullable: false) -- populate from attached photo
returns 4:35:06
